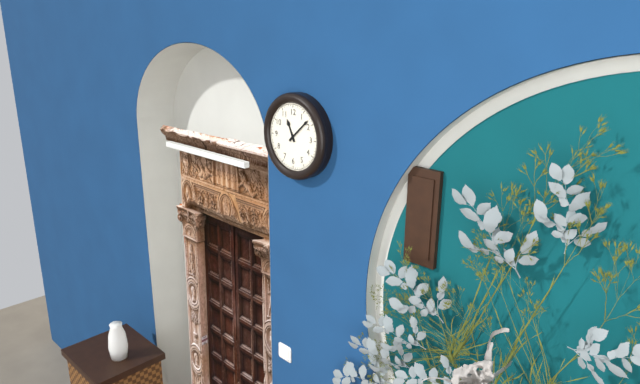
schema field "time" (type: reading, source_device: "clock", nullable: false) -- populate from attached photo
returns 11:08
